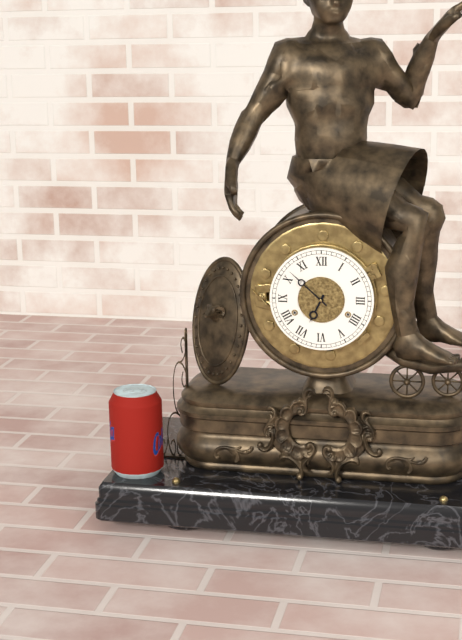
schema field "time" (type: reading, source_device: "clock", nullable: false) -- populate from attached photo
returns 6:52
